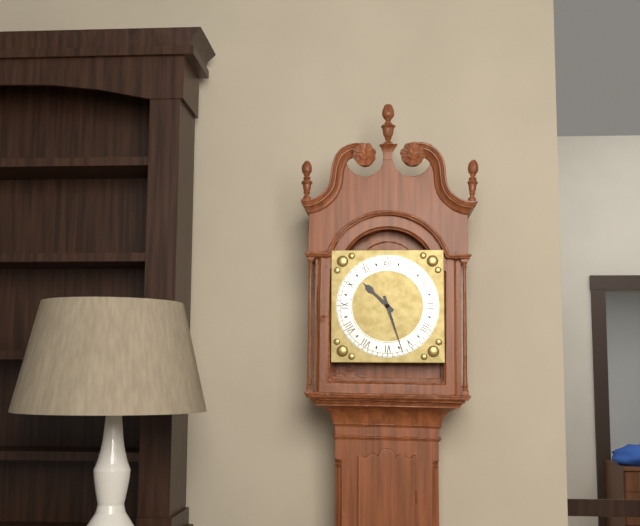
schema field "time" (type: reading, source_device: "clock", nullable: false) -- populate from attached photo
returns 10:27
